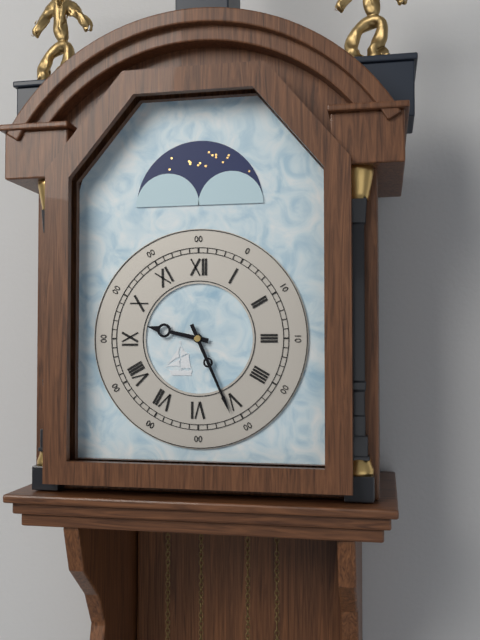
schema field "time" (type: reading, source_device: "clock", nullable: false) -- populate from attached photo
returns 9:26
